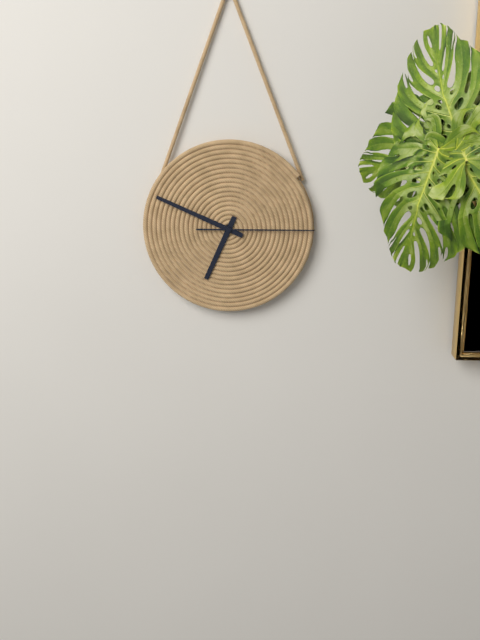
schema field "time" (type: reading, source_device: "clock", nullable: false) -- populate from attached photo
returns 6:49:15
